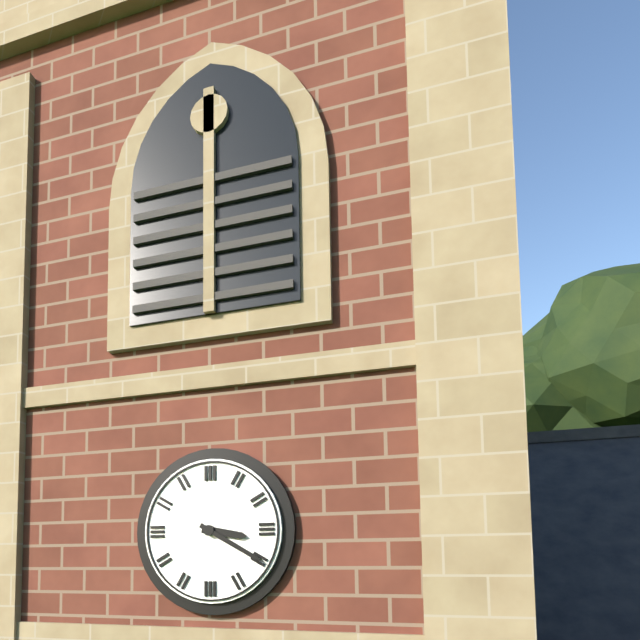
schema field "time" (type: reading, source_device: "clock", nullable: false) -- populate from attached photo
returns 3:20
